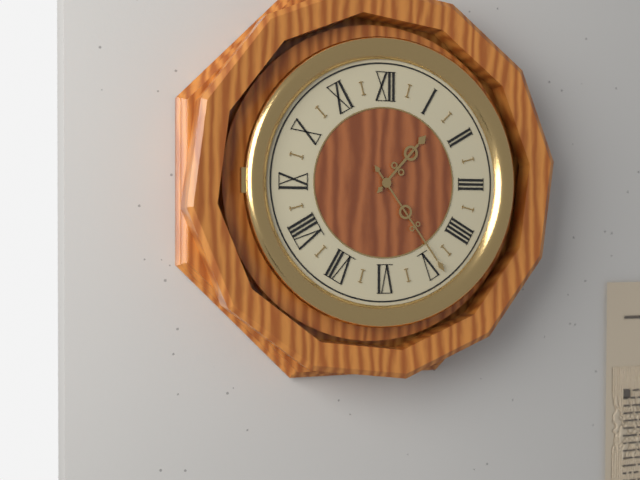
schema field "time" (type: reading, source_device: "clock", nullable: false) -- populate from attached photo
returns 1:24
